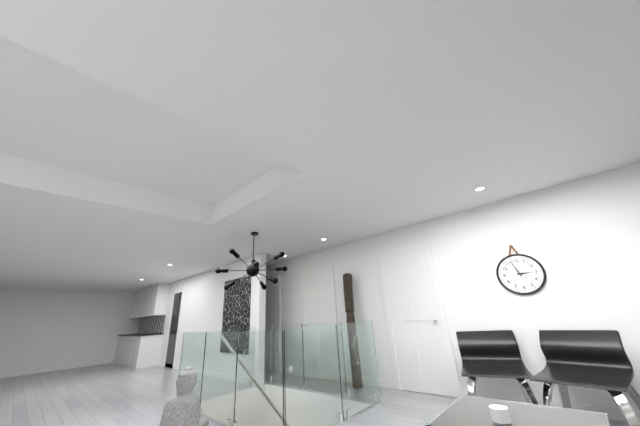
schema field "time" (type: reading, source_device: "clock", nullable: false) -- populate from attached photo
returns 2:57
